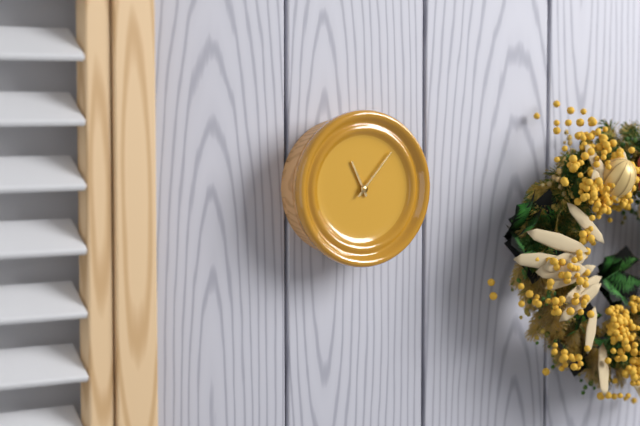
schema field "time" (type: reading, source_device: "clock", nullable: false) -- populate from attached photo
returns 11:07
